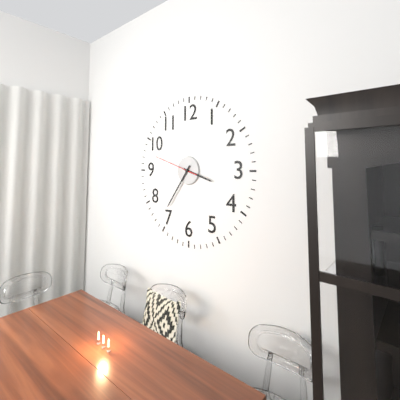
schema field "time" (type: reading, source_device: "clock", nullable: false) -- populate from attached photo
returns 3:36
